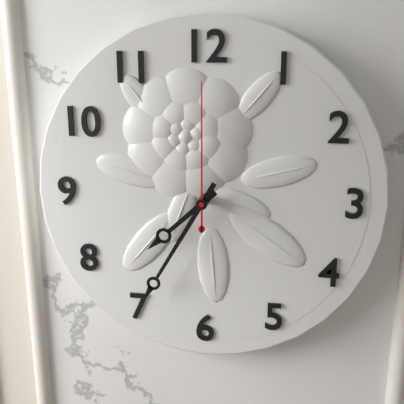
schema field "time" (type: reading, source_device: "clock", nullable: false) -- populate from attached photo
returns 7:35:00
